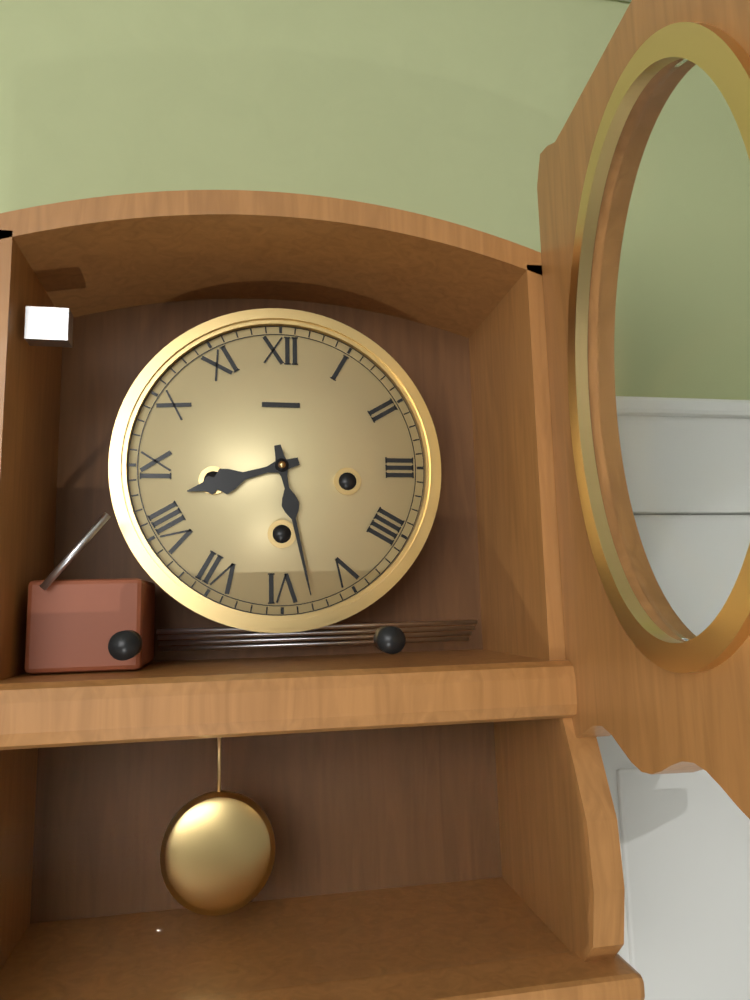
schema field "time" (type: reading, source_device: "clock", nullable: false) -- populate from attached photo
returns 8:28
